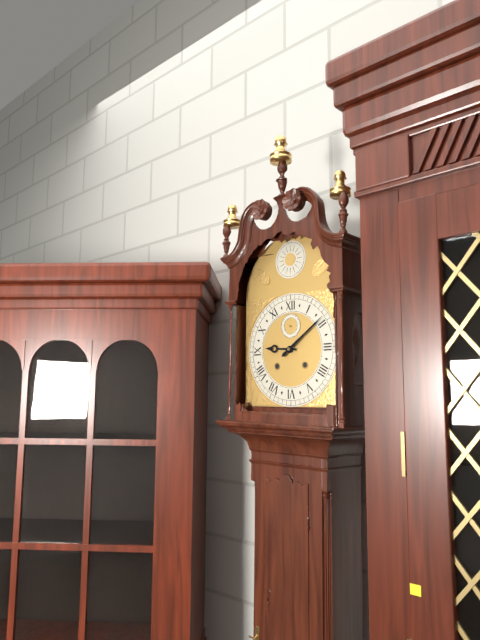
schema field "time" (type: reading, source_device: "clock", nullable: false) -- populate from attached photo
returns 9:09
